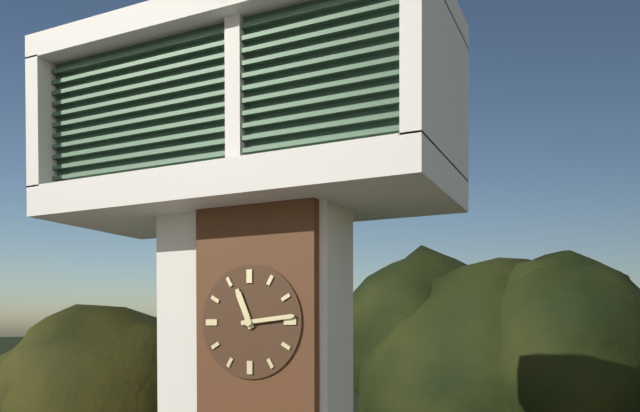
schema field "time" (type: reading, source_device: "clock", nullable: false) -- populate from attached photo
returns 11:14
